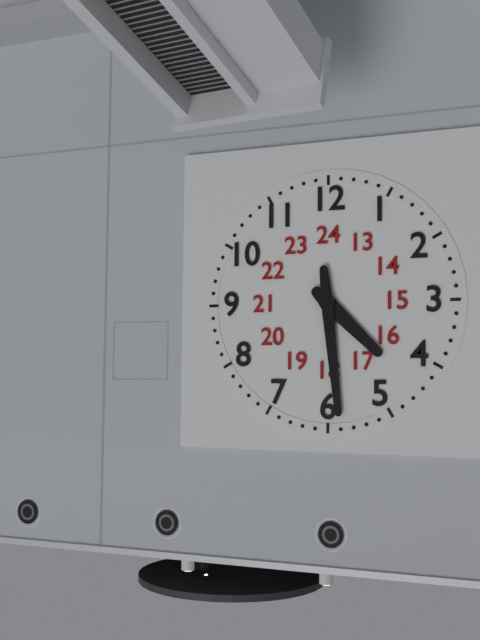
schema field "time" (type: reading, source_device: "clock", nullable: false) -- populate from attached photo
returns 4:29
